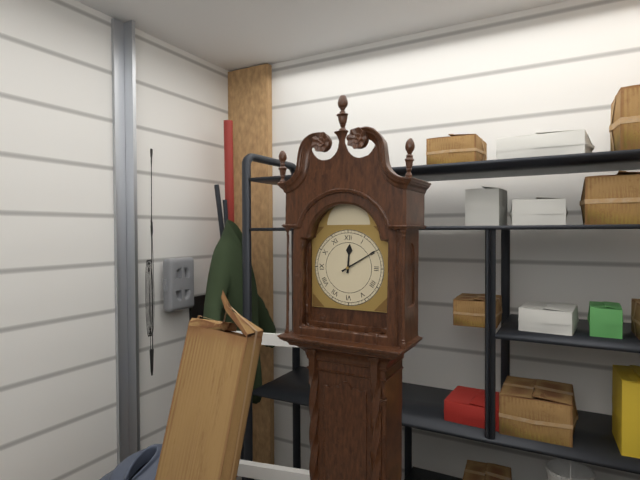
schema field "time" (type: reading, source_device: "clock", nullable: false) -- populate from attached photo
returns 12:10
